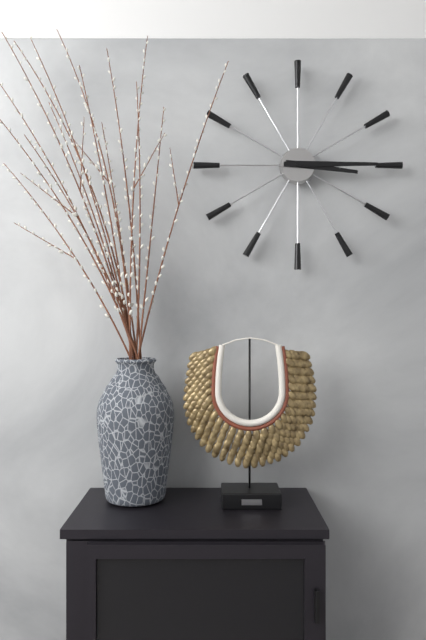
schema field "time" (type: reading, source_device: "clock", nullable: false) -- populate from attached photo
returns 3:15
